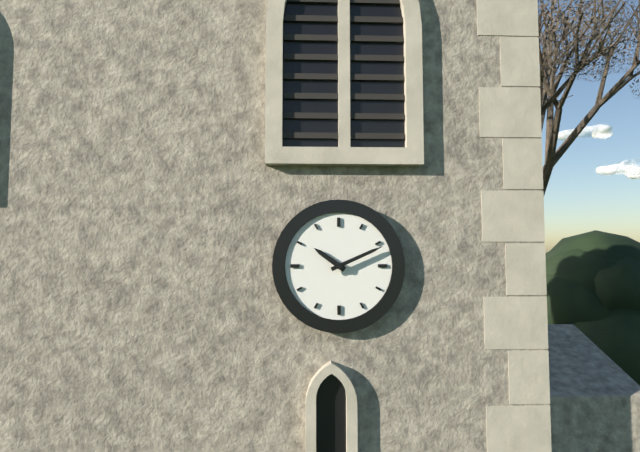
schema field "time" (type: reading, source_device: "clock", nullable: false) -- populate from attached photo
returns 10:11
